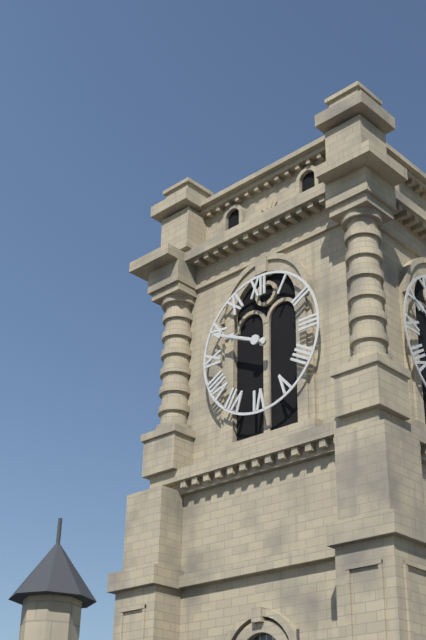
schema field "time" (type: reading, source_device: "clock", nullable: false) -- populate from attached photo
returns 9:49
